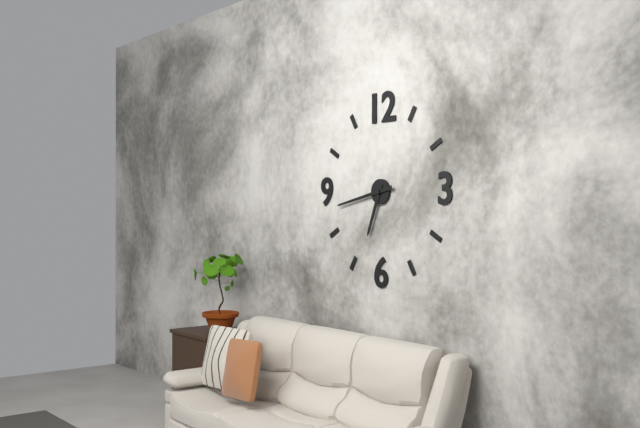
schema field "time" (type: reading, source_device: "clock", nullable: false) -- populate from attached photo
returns 6:43
